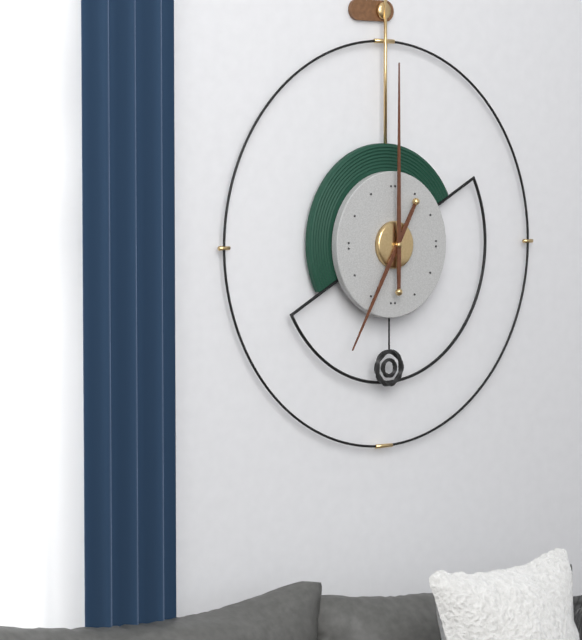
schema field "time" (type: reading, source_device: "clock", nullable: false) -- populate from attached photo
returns 7:00
